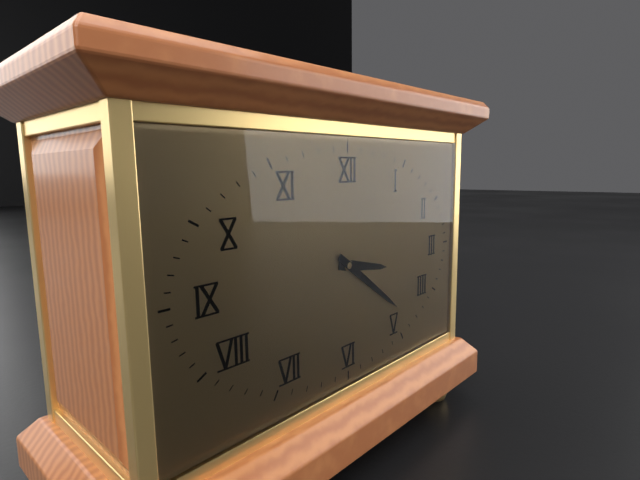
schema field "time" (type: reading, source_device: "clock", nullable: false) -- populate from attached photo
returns 3:21
